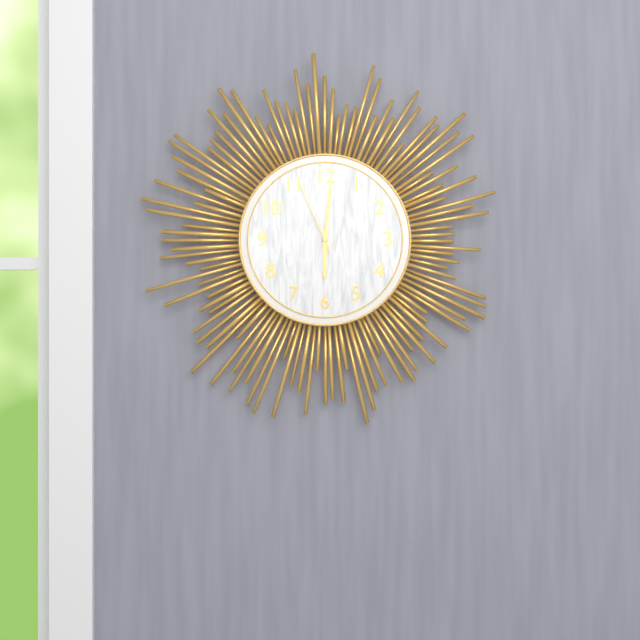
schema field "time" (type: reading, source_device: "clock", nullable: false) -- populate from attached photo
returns 6:01:56
